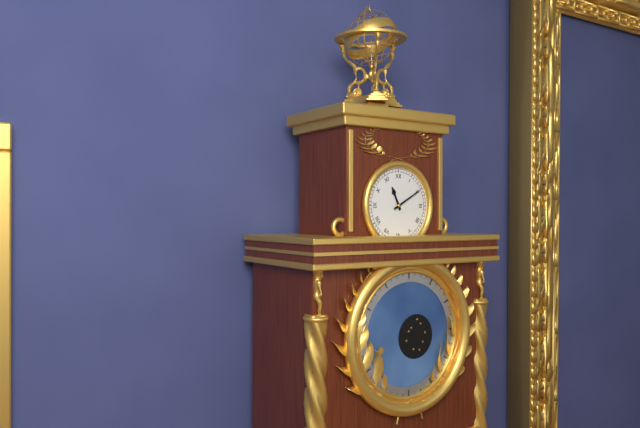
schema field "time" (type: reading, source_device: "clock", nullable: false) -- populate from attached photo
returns 11:10
